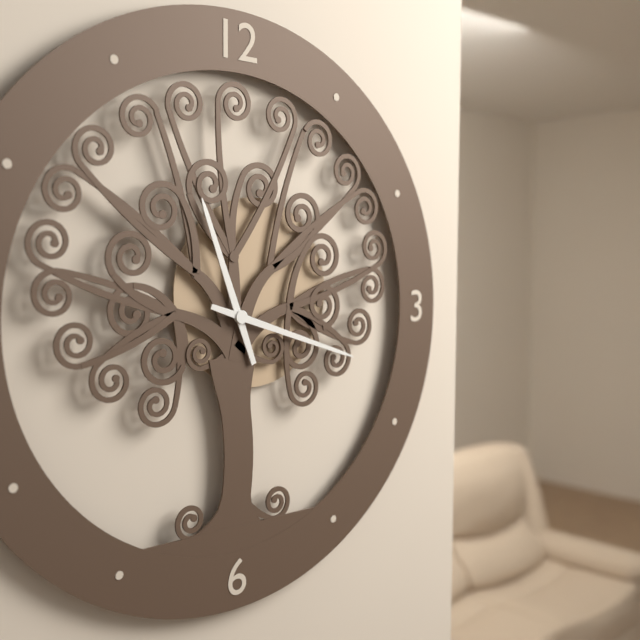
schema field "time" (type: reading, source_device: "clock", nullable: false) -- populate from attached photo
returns 11:18
